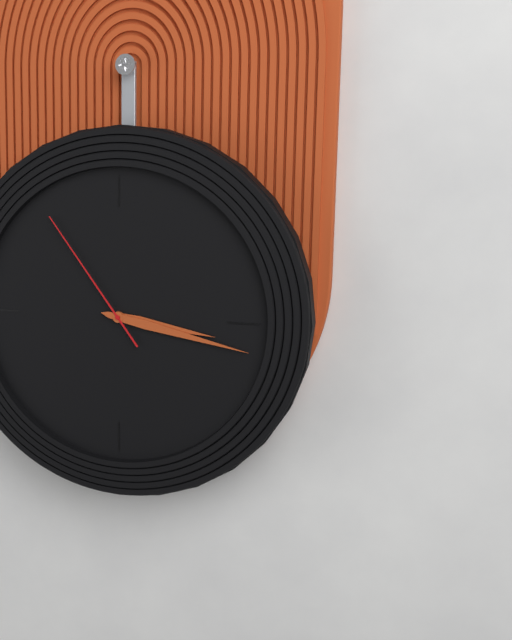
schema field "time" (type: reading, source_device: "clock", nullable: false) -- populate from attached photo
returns 3:17:54
